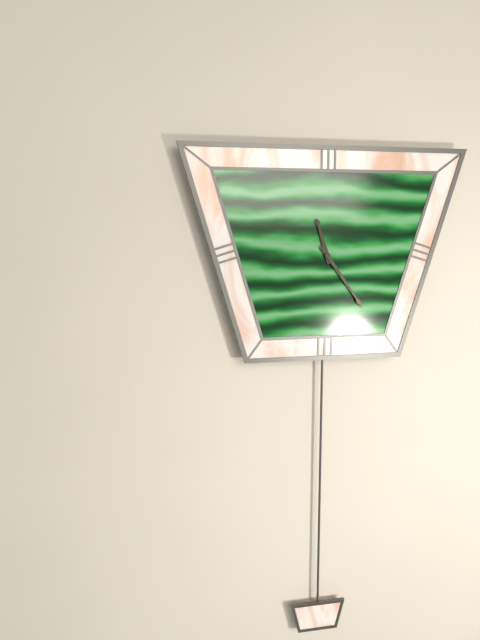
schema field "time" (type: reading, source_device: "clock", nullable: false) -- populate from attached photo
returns 11:24
